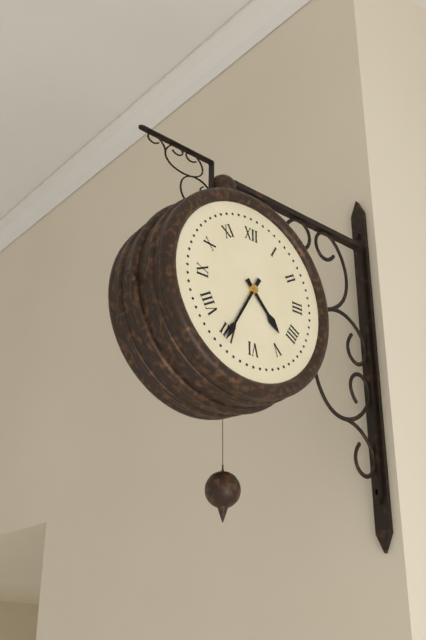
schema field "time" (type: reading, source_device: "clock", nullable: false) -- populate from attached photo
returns 4:35
